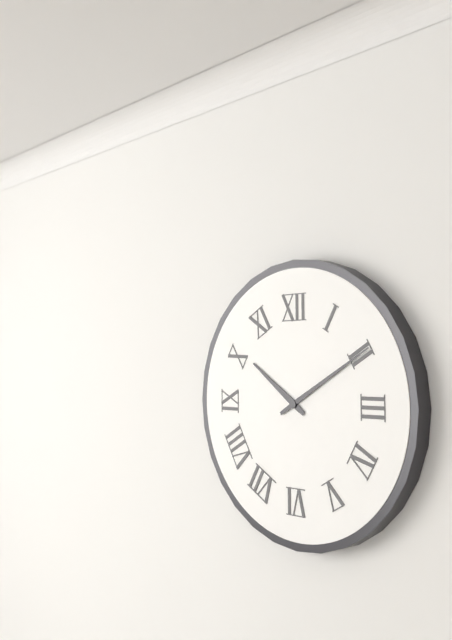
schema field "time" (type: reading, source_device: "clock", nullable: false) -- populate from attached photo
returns 10:10
